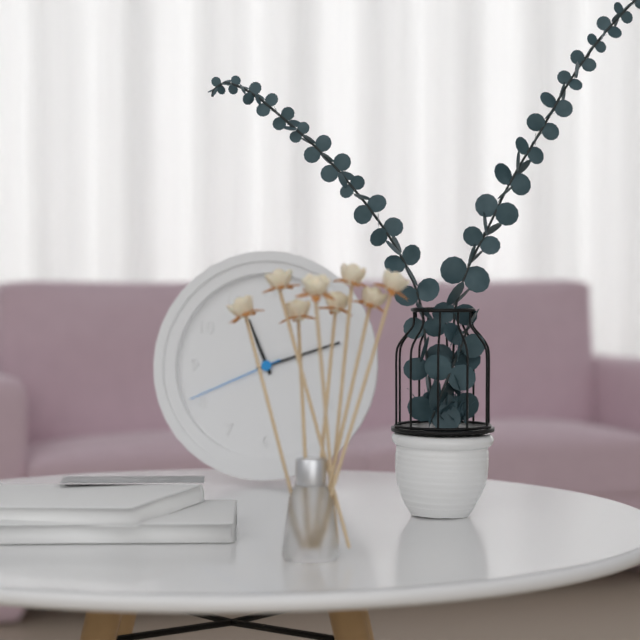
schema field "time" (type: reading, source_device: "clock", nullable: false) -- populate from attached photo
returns 11:12:41
